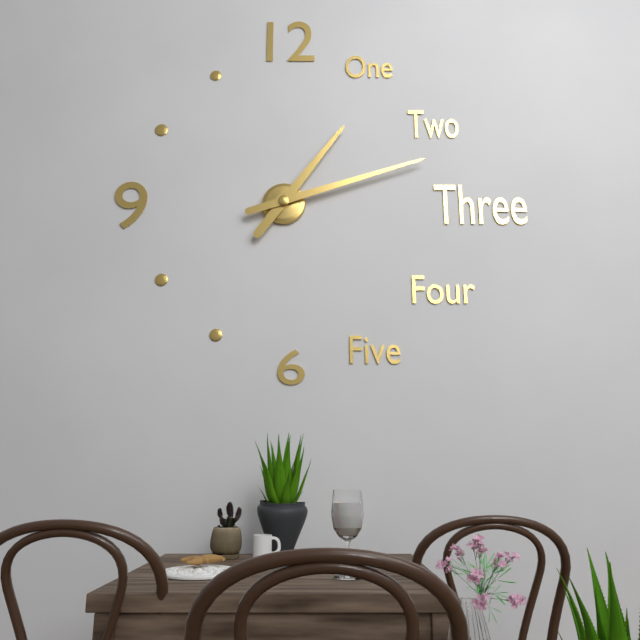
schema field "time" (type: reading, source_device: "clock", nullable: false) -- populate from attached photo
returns 1:12
